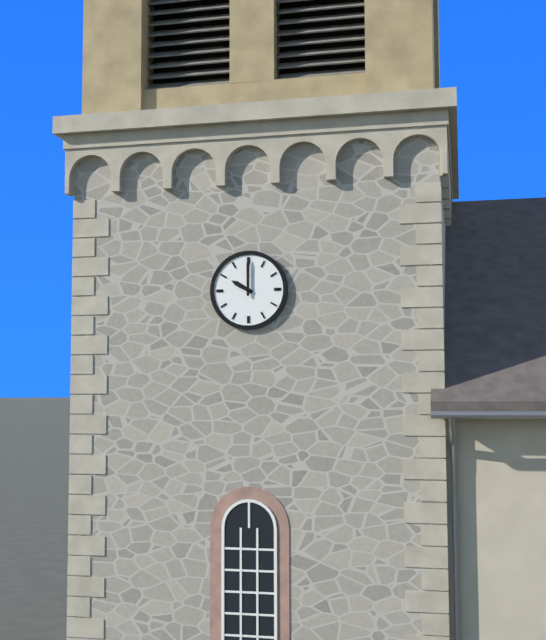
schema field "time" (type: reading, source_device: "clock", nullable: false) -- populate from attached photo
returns 10:00
